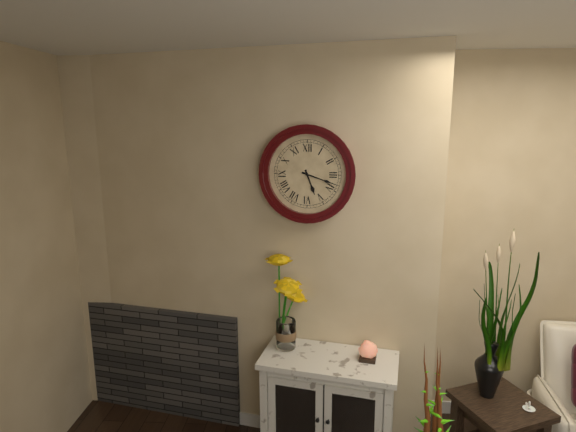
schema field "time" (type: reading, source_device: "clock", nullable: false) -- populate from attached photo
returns 5:18
